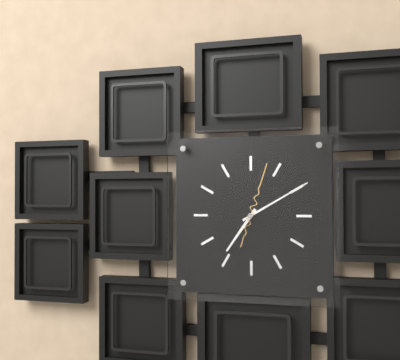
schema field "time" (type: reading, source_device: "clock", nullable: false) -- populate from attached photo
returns 7:10:03
